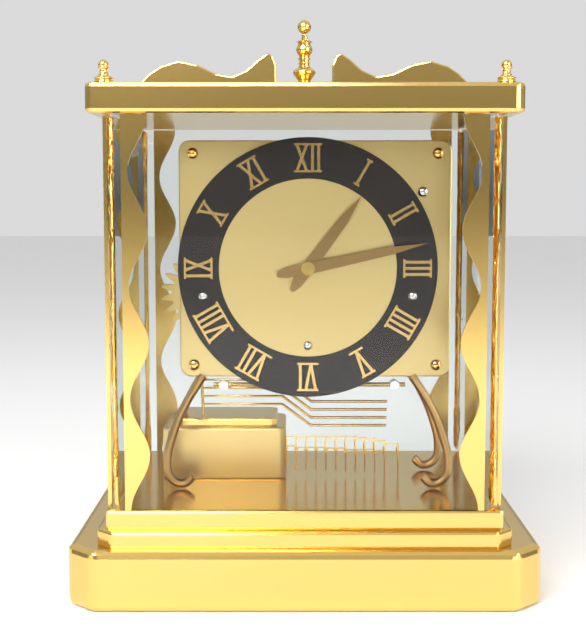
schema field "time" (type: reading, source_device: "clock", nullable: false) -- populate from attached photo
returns 1:13
